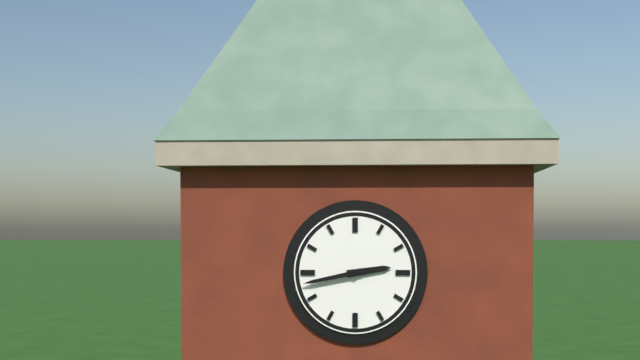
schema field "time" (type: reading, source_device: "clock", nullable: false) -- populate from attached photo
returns 2:43
